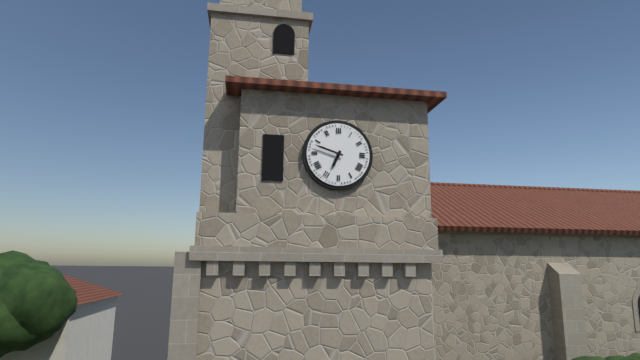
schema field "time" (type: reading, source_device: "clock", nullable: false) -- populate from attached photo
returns 6:48
